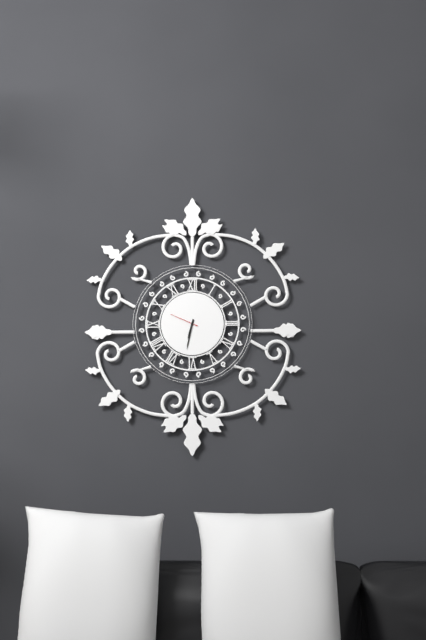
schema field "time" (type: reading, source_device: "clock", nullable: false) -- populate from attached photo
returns 6:32
